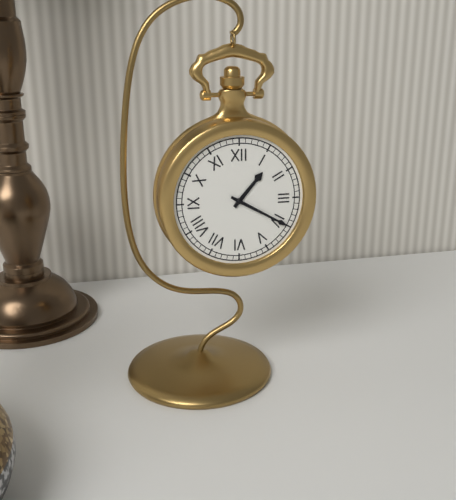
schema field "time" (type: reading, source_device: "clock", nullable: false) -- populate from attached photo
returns 1:20
